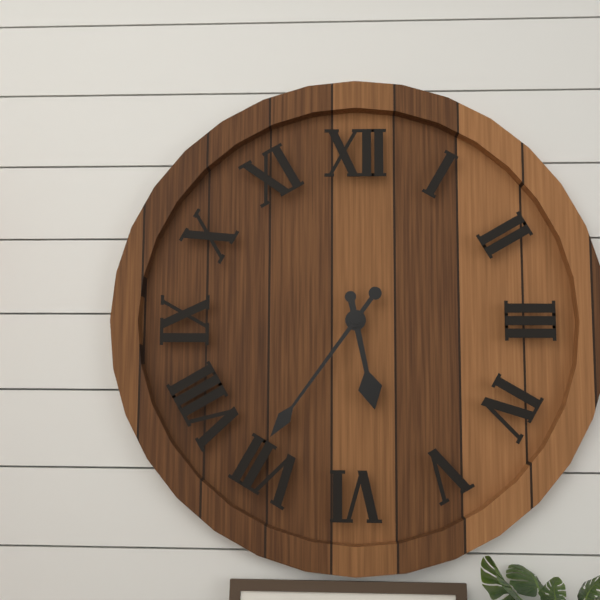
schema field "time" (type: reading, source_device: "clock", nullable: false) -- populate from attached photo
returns 5:36
